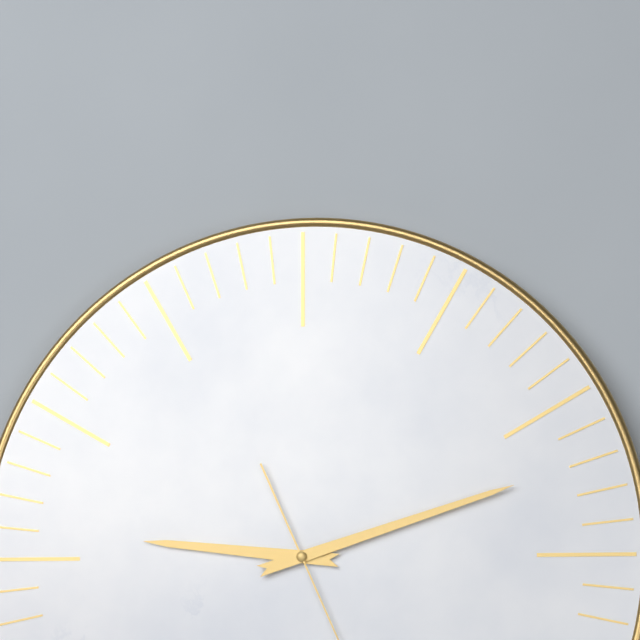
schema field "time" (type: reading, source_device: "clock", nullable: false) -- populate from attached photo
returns 9:12
